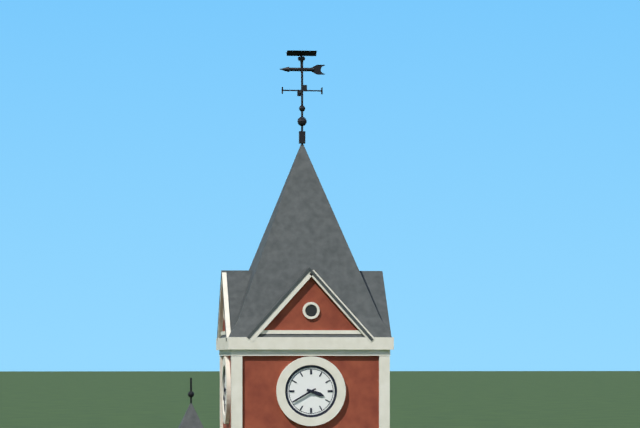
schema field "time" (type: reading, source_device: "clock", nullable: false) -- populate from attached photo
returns 3:40
